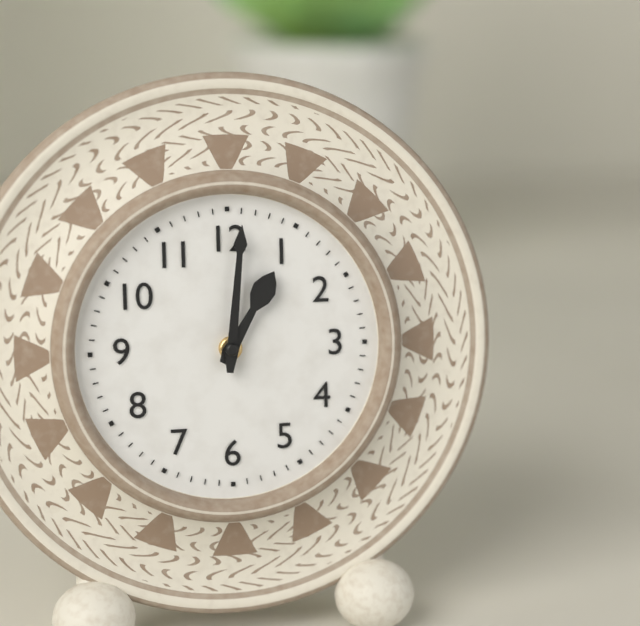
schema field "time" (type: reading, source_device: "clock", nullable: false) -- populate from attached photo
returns 1:01
